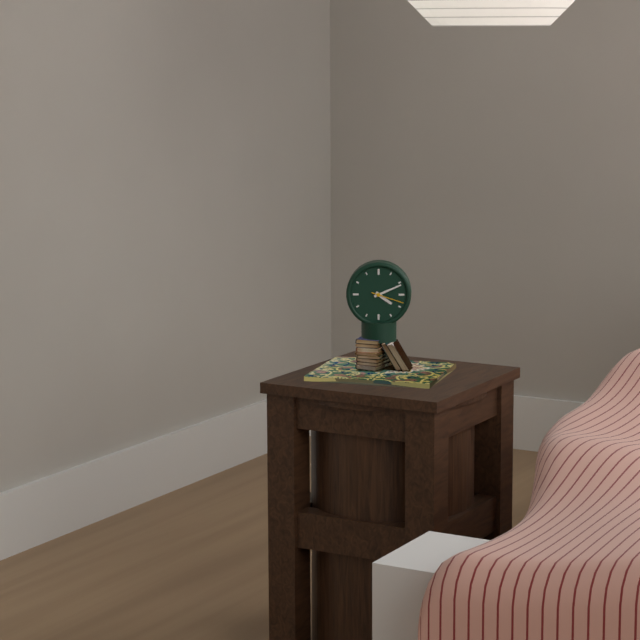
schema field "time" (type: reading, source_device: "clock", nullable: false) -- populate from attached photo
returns 4:11
